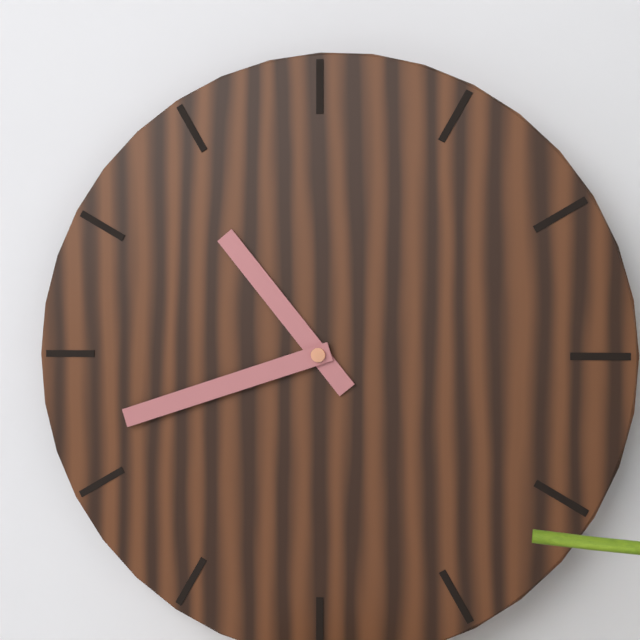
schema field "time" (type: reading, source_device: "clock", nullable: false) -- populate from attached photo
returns 10:42
